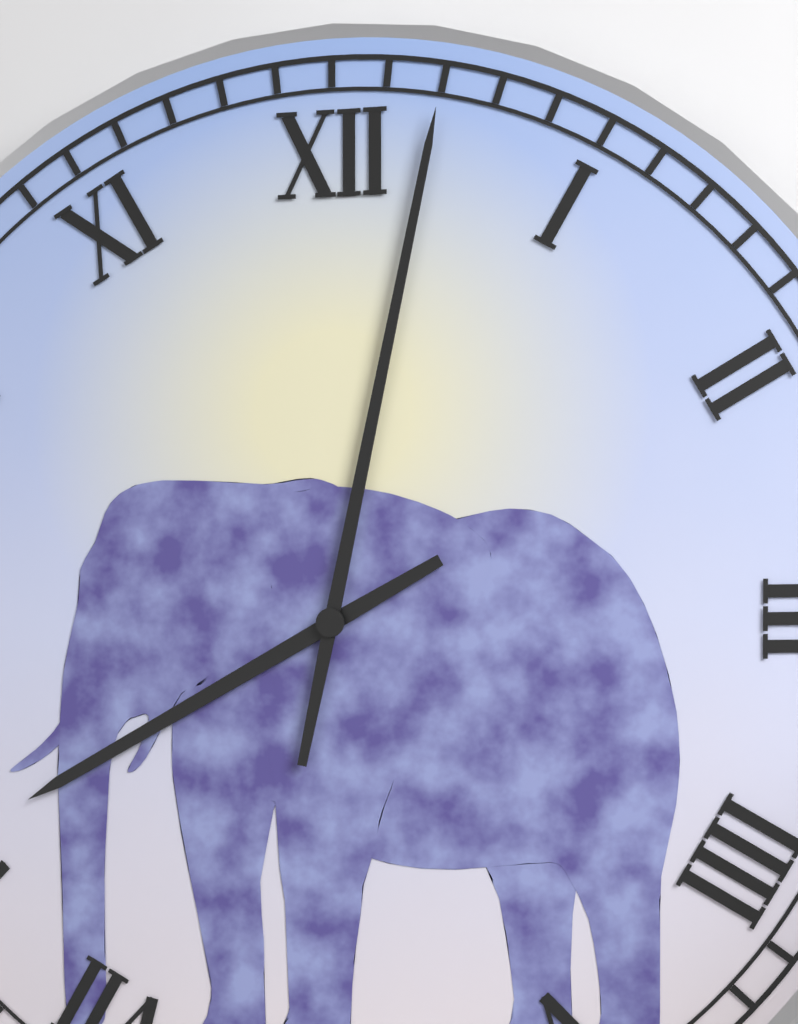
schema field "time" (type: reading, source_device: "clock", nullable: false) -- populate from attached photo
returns 8:02
